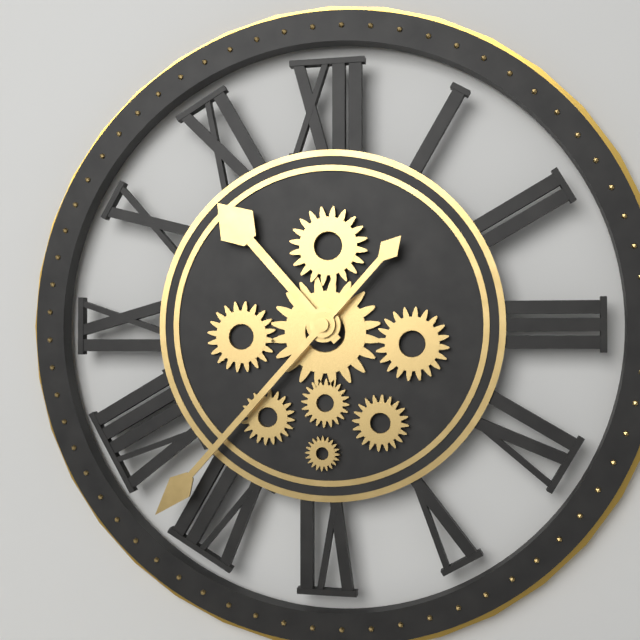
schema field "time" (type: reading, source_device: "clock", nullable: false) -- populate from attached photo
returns 10:37
